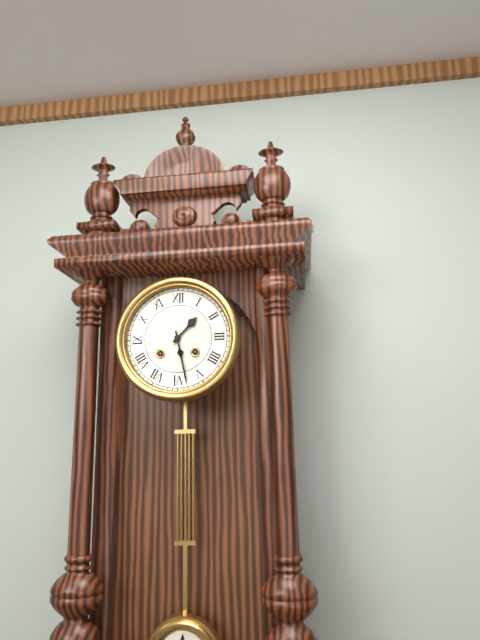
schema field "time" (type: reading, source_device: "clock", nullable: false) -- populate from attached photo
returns 1:28
